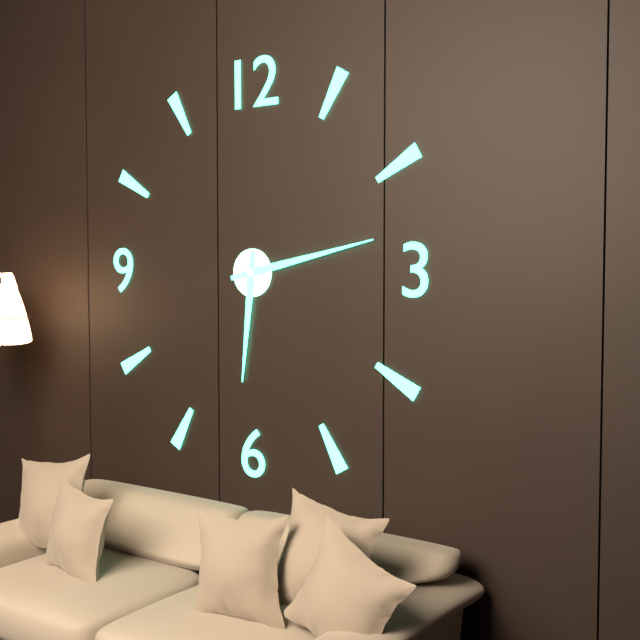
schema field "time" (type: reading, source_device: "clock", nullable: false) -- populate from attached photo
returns 6:13
